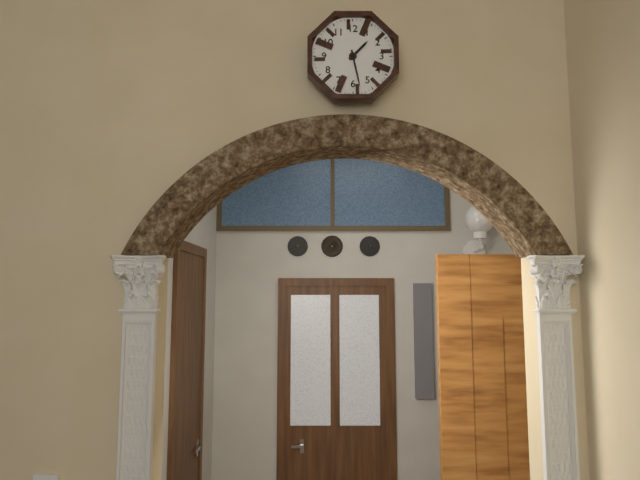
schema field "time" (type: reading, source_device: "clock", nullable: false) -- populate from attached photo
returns 1:28
